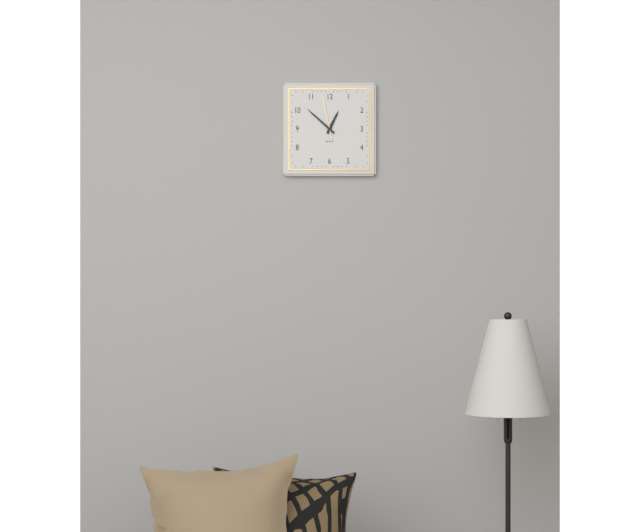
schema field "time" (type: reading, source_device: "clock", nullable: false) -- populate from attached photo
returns 12:52
